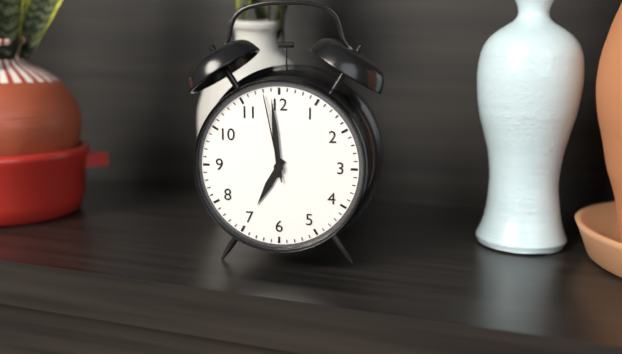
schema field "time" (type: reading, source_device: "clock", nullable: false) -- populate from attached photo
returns 6:59:58
